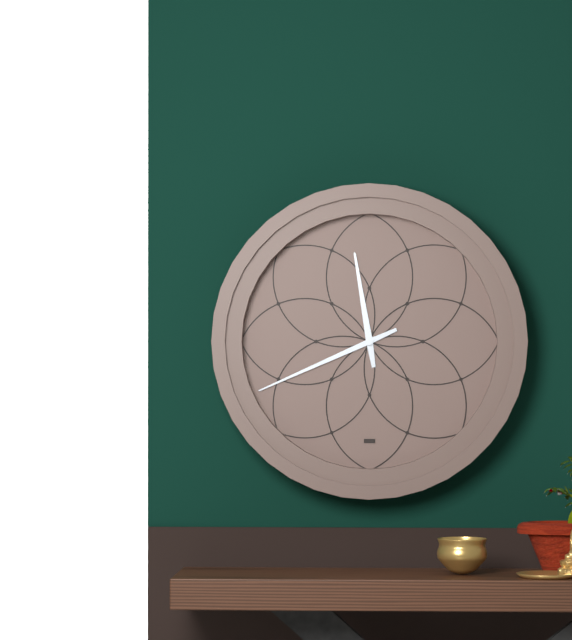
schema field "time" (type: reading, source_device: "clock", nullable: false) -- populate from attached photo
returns 11:41
